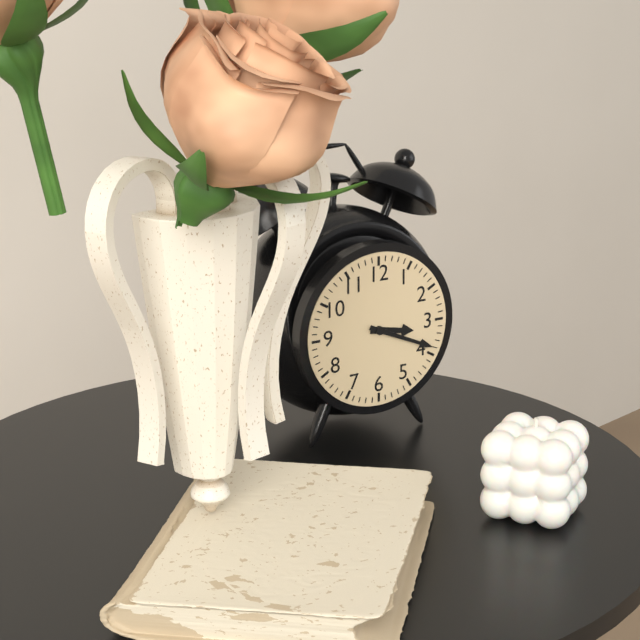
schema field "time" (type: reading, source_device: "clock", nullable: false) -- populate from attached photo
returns 3:19
